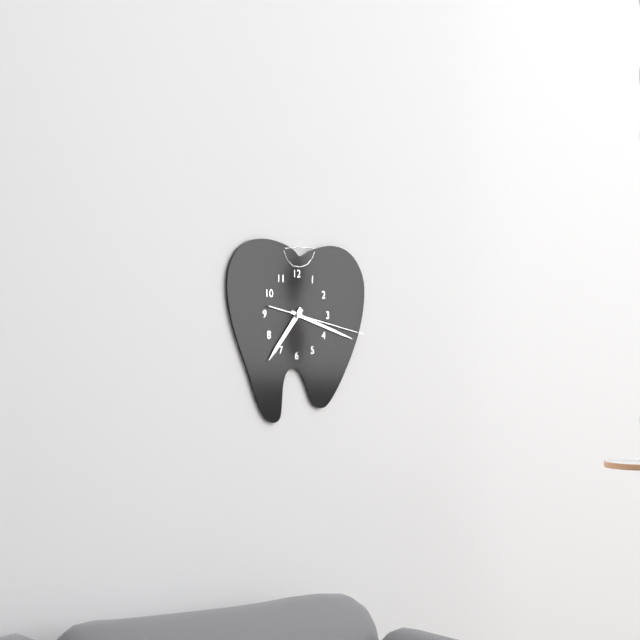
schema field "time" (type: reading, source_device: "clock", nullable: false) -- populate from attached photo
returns 7:18:17
